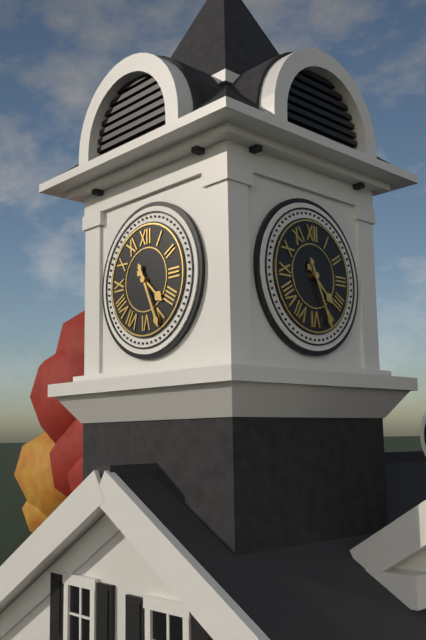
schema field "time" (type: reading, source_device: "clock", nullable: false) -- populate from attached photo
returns 4:26
